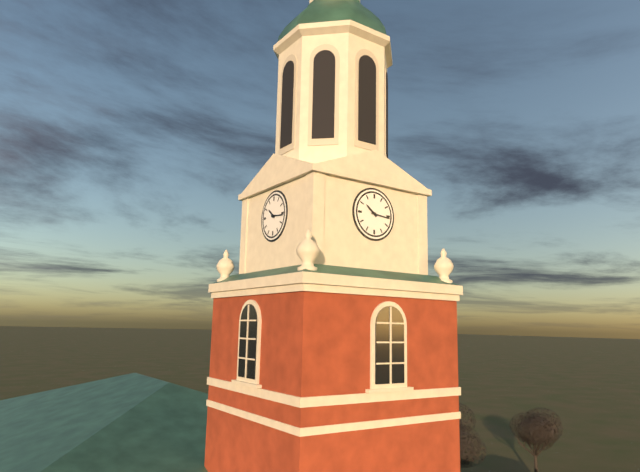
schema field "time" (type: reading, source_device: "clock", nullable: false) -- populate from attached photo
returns 10:16
